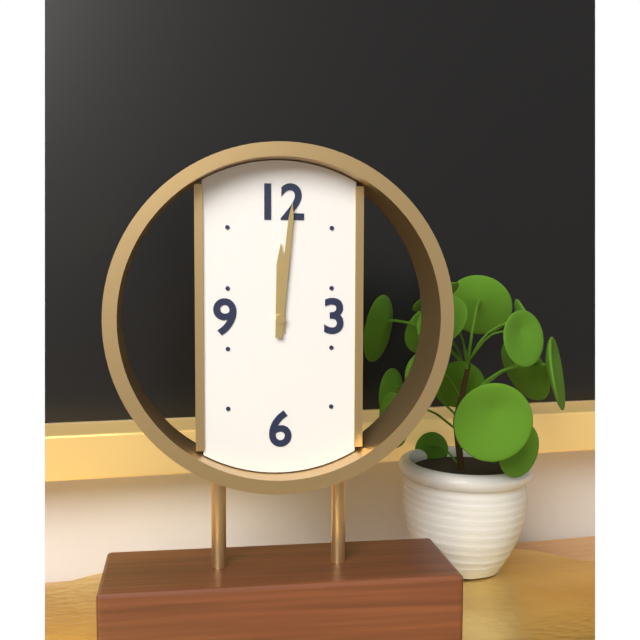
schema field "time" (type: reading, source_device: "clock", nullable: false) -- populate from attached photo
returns 12:01
